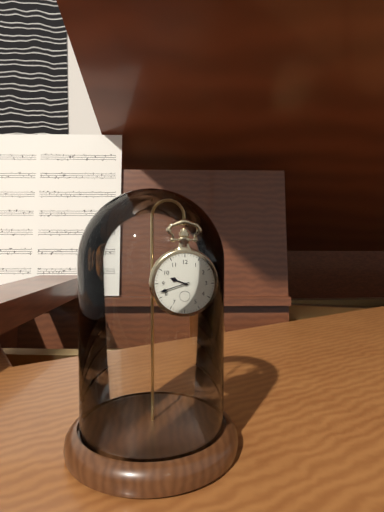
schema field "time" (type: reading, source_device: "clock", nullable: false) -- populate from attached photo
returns 9:42
